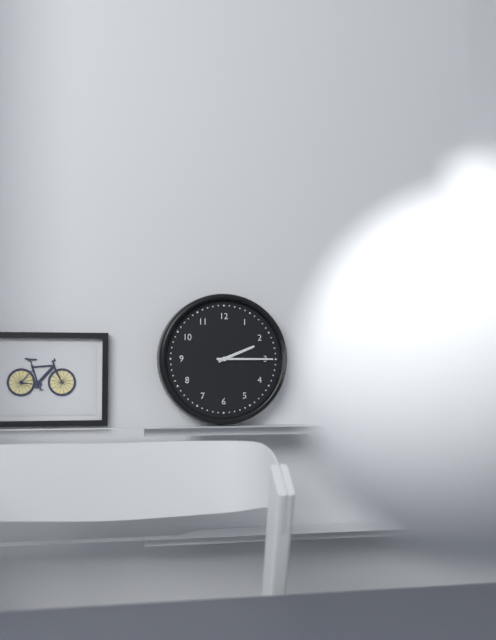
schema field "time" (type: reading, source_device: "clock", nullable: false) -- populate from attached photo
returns 2:15
